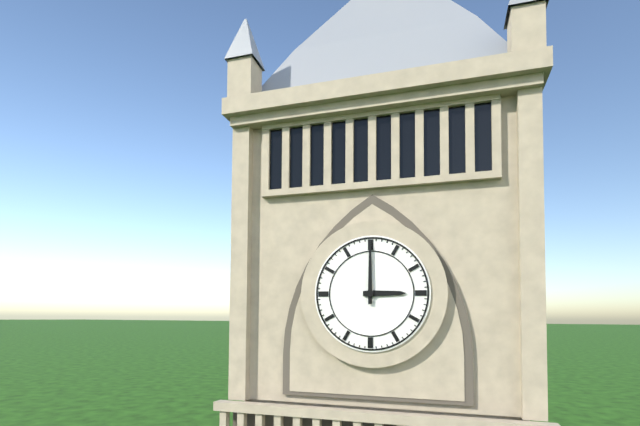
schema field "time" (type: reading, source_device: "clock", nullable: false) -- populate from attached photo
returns 3:00
